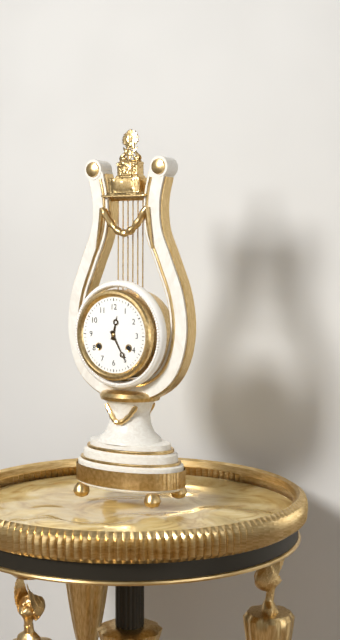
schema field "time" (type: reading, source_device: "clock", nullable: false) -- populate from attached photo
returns 12:25
